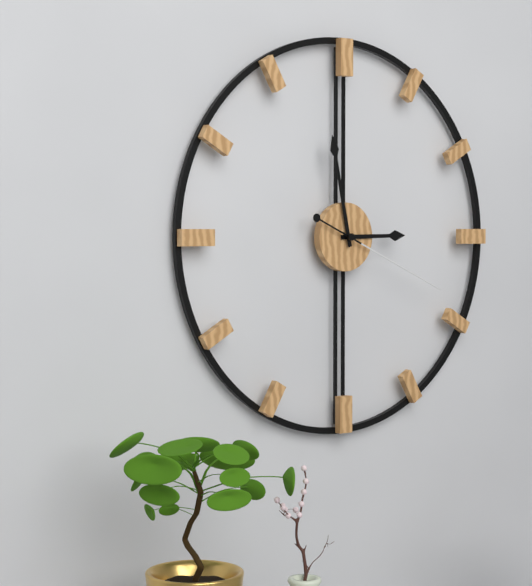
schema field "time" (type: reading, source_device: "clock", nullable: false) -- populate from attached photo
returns 2:58:19
